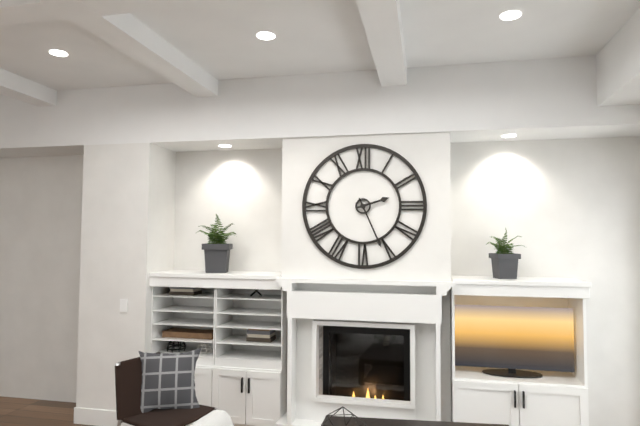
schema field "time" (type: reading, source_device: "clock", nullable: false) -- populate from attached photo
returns 2:26
